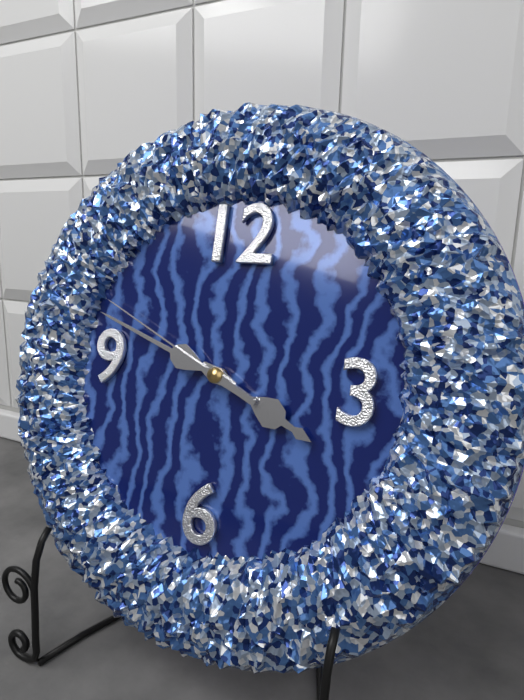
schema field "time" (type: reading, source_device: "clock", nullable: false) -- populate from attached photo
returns 3:48:49
